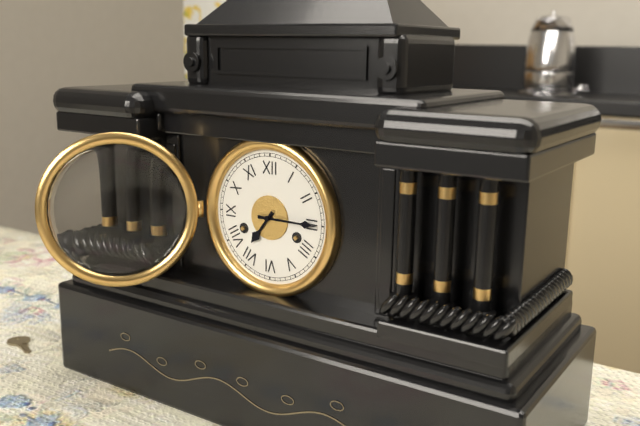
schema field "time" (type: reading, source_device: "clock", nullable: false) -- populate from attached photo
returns 7:15
